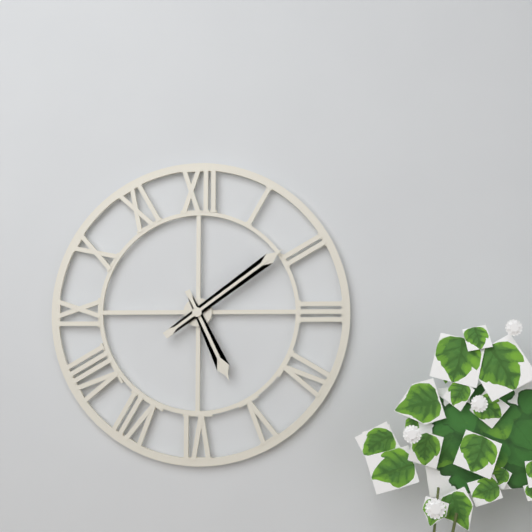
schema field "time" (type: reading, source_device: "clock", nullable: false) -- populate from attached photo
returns 5:09
